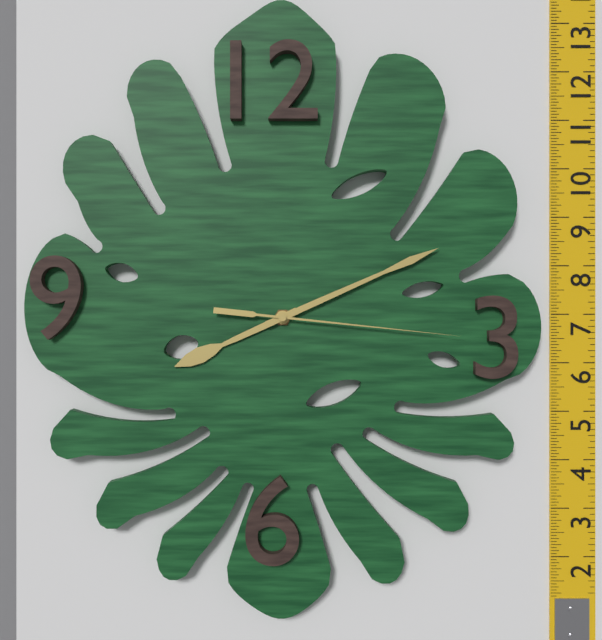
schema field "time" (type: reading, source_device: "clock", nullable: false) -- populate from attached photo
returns 8:11:16
